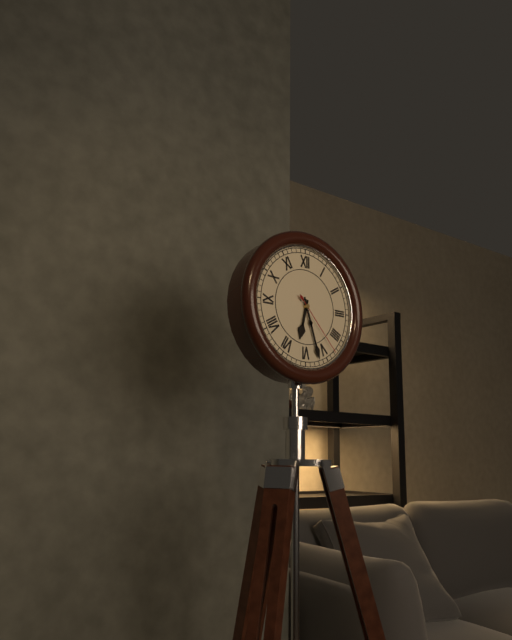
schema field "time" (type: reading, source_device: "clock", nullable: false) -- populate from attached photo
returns 6:27:23
